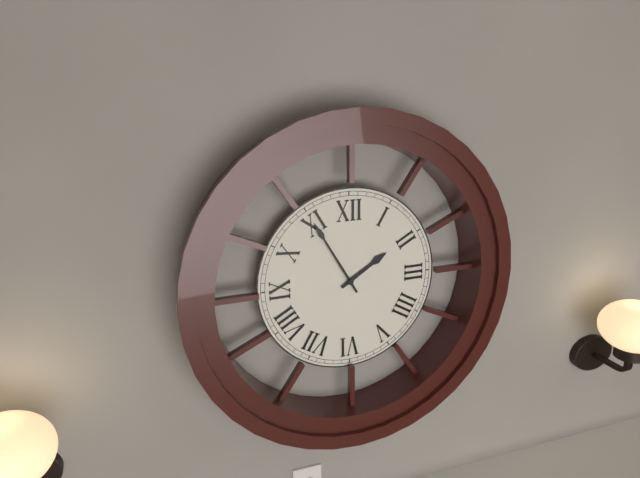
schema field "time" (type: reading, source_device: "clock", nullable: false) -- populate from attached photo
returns 1:55
